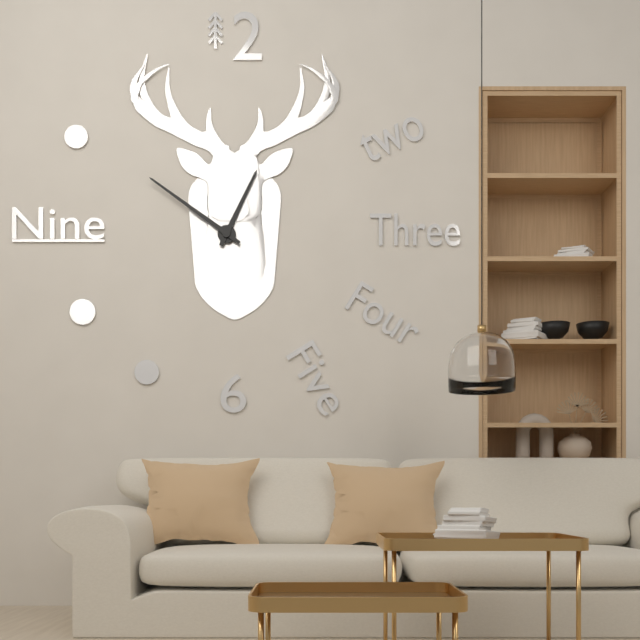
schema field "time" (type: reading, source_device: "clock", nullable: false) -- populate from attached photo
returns 12:51
